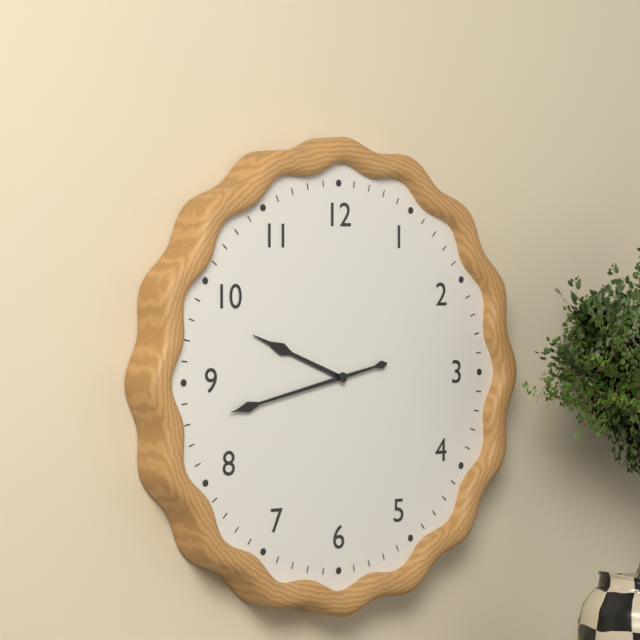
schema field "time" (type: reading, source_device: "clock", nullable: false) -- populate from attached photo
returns 9:43
